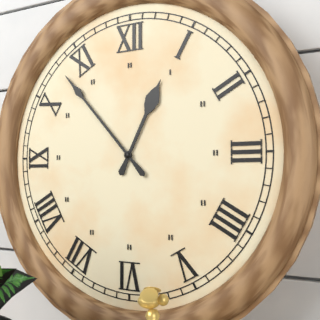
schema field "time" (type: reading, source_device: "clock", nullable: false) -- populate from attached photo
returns 12:53
